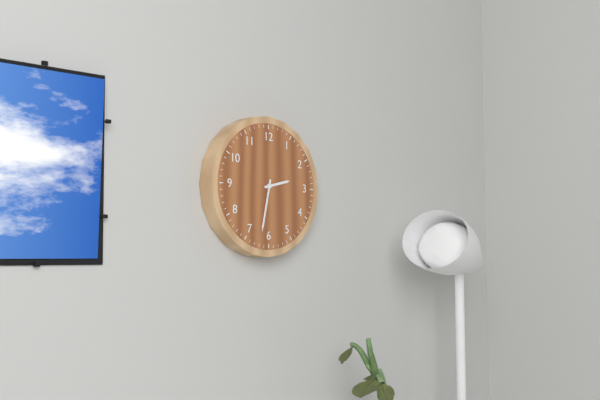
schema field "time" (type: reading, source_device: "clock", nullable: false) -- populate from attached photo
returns 2:32
